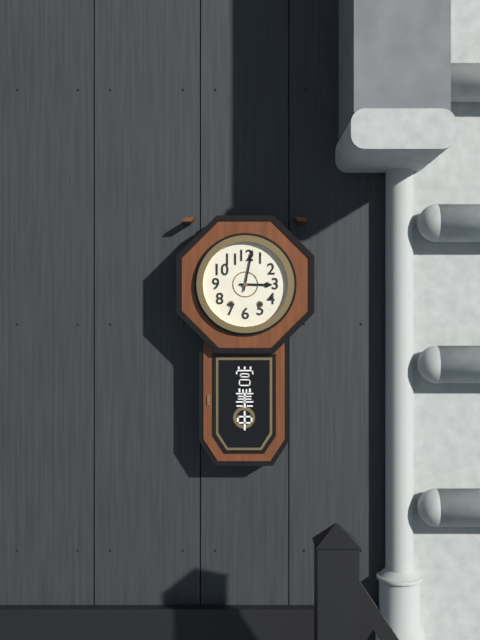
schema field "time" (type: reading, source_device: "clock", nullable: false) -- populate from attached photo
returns 3:02
